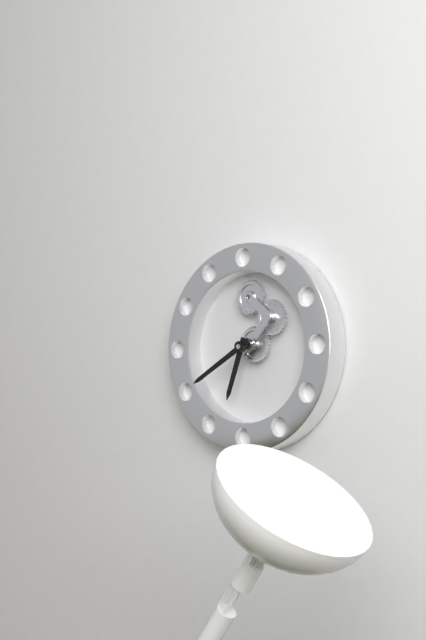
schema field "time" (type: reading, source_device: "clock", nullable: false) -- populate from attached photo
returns 6:40
